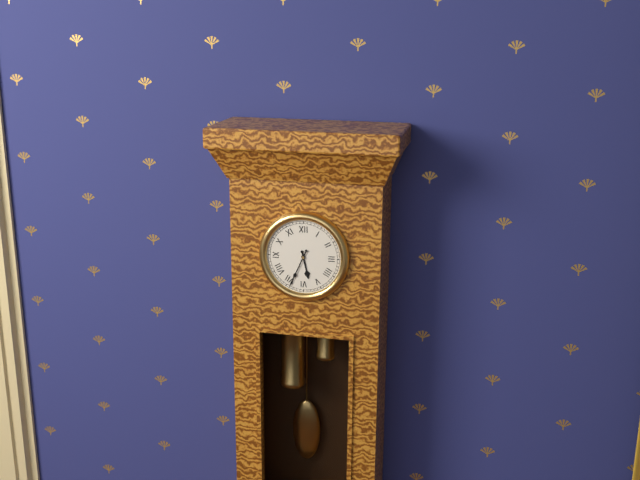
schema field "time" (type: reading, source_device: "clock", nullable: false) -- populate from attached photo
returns 5:34
